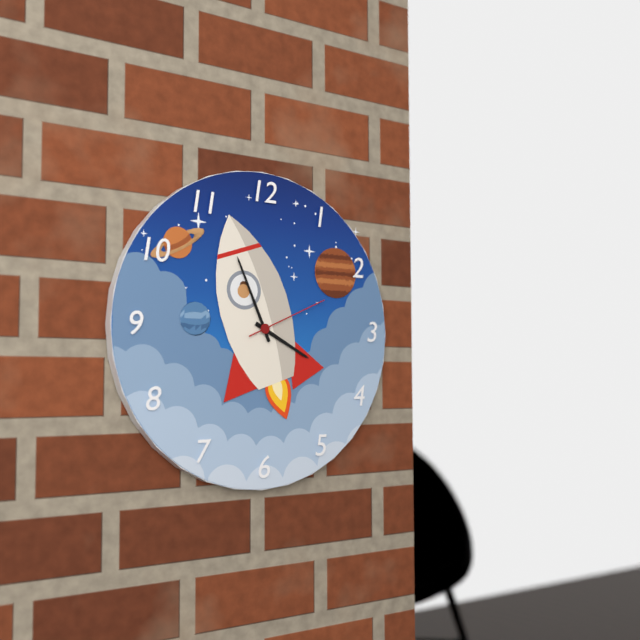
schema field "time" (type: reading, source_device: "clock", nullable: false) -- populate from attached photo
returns 3:56:11
